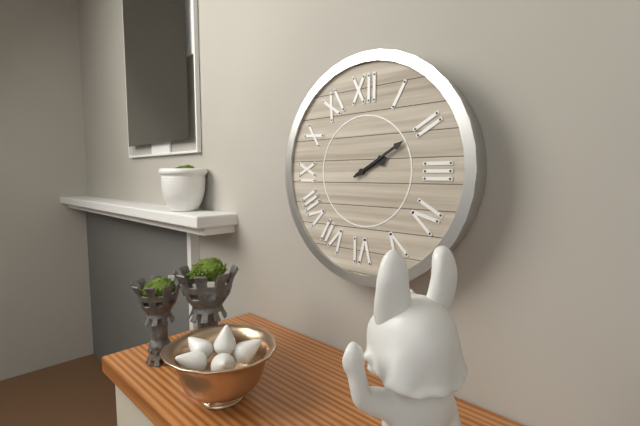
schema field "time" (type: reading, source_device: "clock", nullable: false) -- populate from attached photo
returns 2:10
